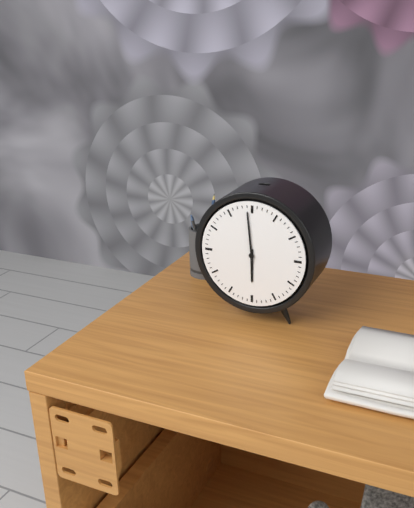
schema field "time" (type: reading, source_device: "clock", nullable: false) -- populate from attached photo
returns 5:59
